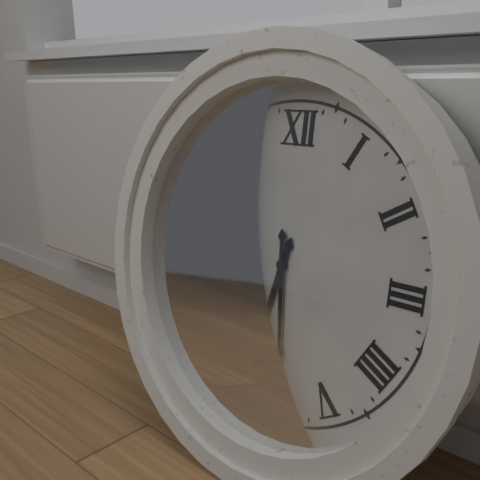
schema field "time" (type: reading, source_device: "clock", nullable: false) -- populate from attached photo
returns 6:29
